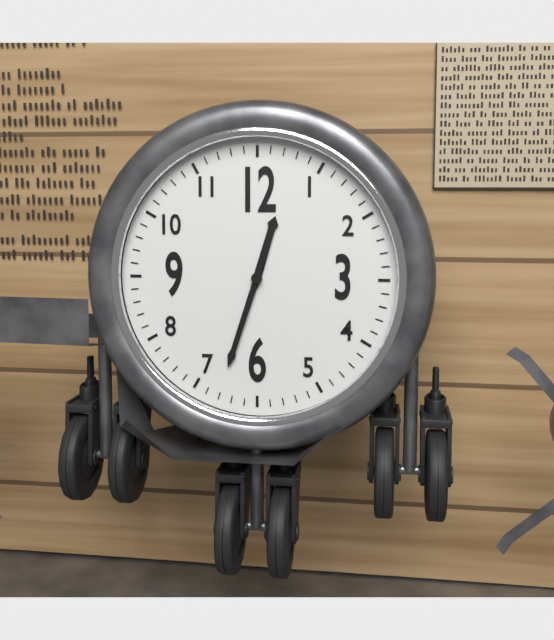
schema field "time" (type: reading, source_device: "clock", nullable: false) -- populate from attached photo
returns 12:33
